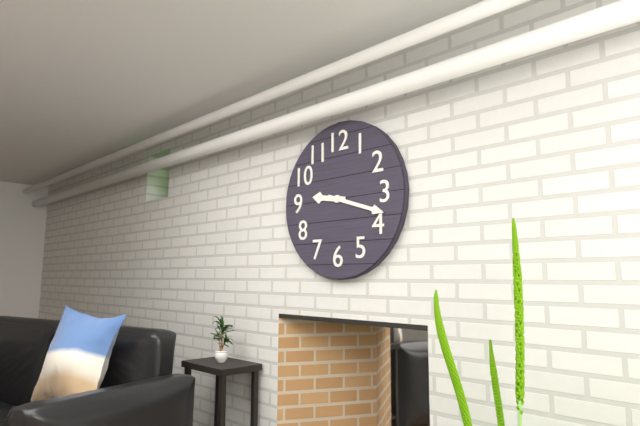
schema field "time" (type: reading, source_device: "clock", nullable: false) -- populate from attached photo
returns 9:18
